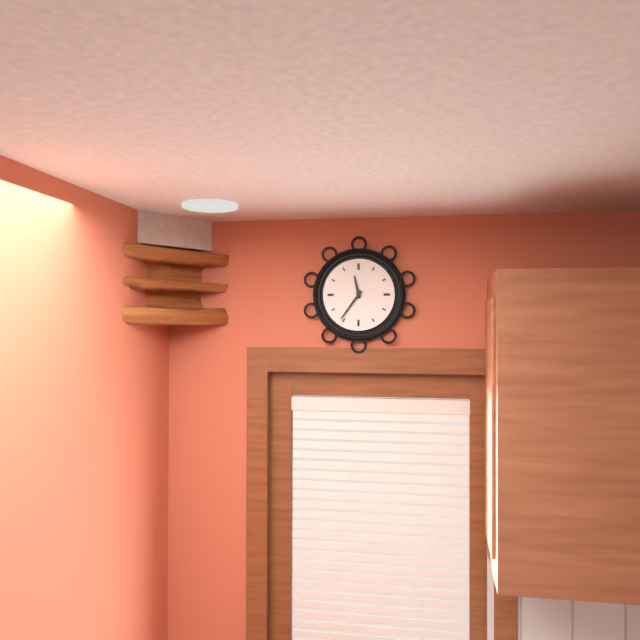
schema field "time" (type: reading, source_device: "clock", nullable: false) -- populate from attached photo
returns 11:36
